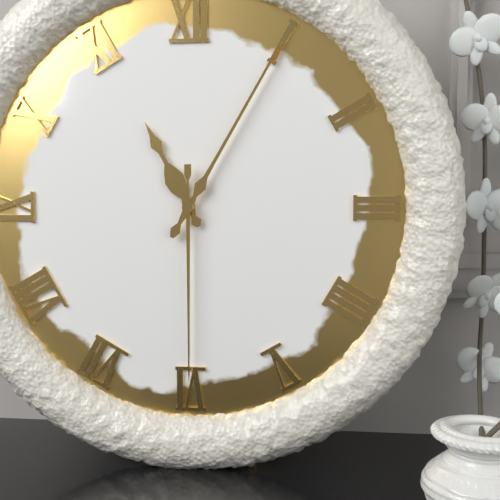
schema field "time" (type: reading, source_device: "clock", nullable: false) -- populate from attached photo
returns 11:05:30
